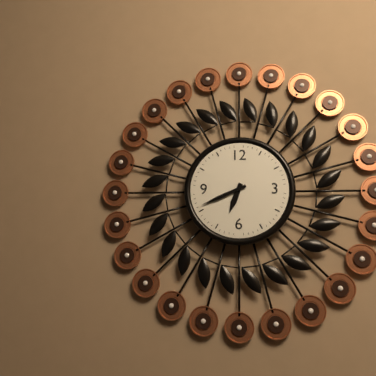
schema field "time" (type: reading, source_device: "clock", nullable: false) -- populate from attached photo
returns 6:41
